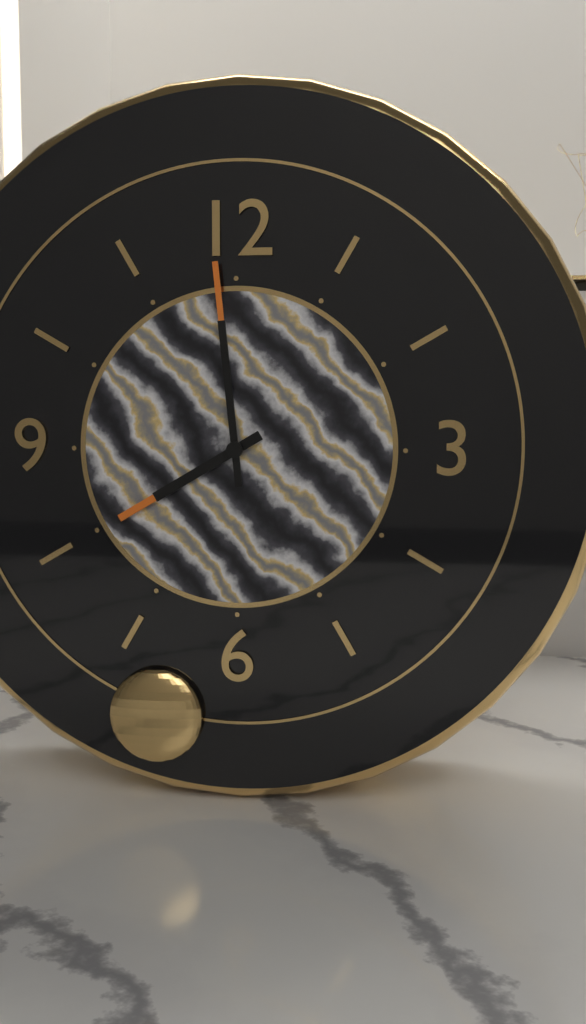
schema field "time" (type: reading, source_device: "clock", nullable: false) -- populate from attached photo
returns 7:59
